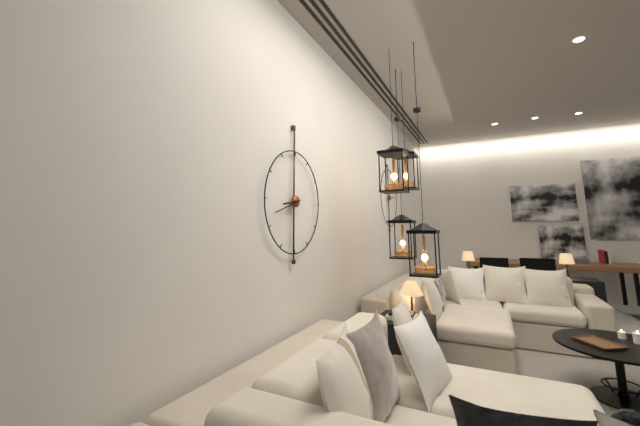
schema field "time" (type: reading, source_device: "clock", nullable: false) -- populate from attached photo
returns 8:42
